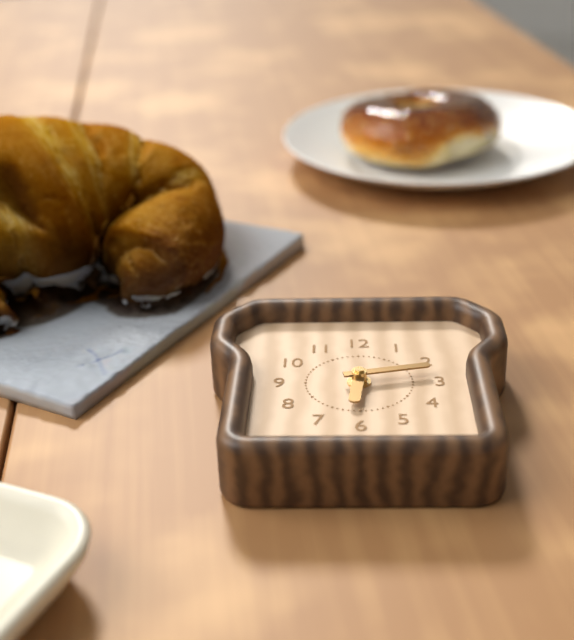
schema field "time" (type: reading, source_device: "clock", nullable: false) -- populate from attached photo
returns 6:13
